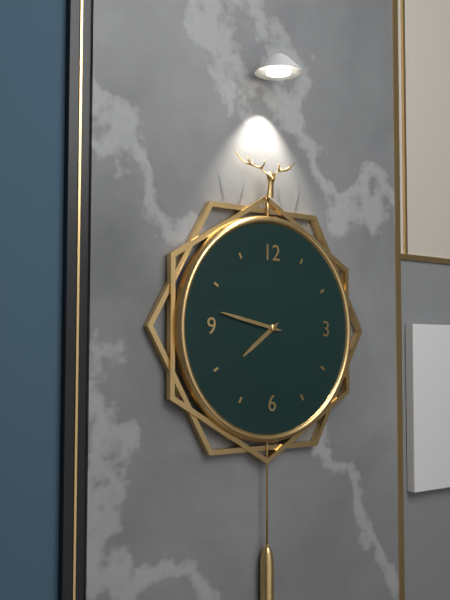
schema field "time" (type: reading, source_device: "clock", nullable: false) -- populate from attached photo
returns 7:47
